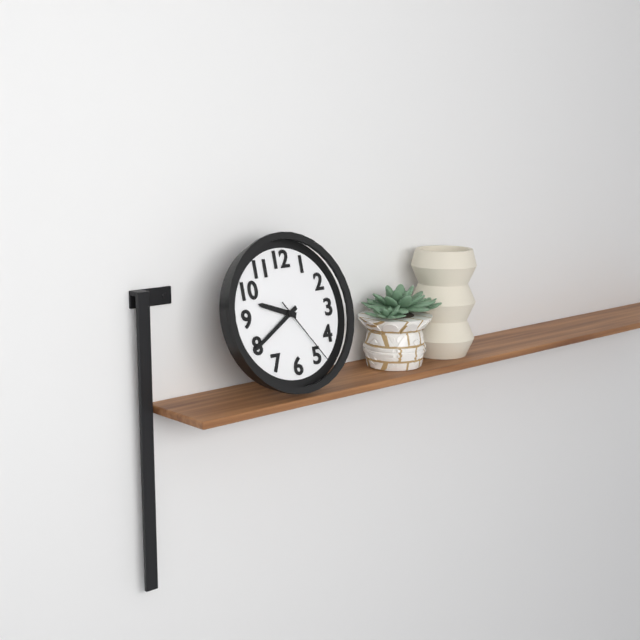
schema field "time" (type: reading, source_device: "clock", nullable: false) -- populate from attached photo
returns 9:40:24
